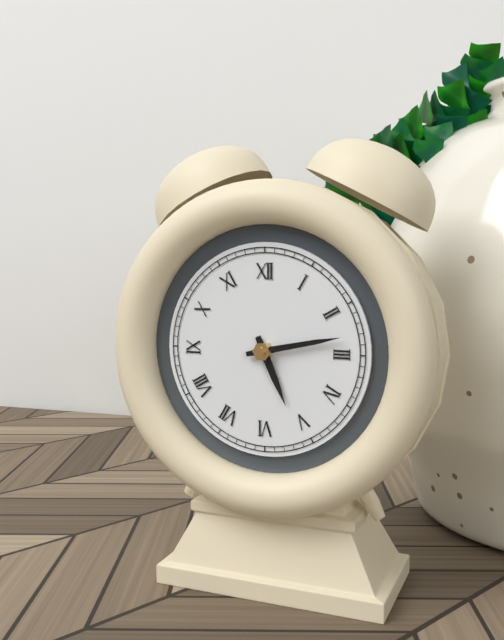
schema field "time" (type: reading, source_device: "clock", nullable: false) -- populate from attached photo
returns 5:13
